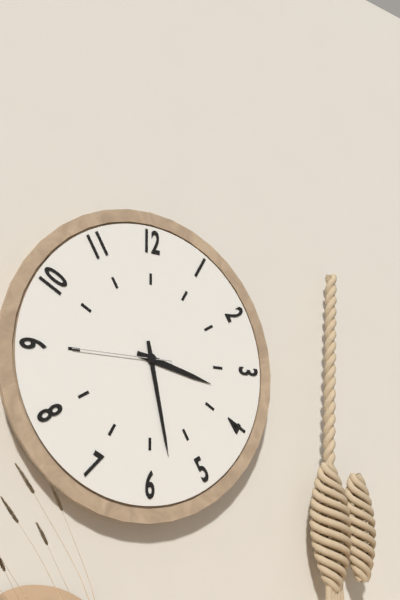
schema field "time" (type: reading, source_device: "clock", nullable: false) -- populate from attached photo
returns 3:28:45
